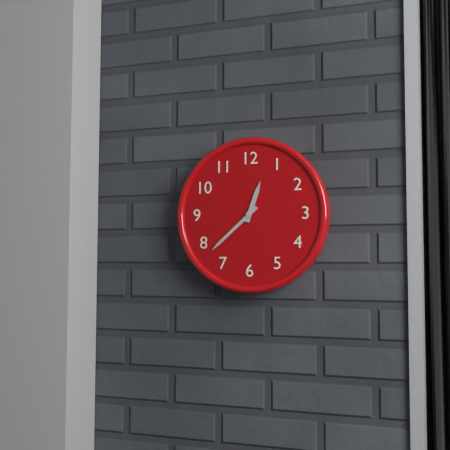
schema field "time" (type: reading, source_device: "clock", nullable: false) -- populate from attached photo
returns 12:38
